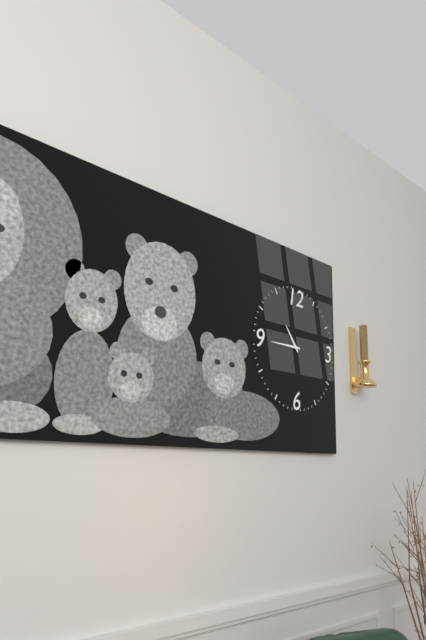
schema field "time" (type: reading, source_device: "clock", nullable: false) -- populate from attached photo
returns 10:45
